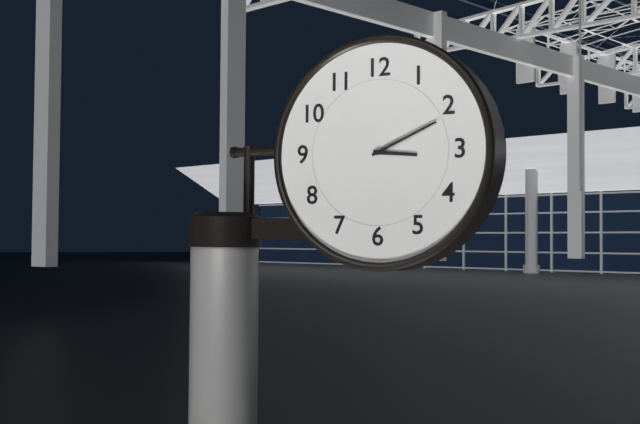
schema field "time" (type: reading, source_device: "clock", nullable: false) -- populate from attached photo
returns 3:11
